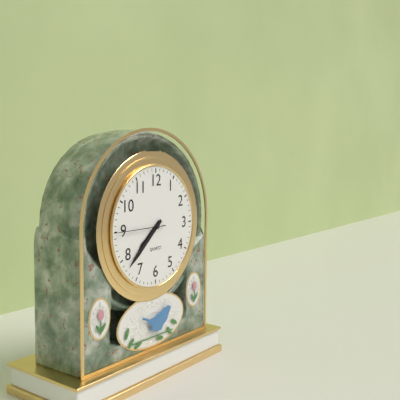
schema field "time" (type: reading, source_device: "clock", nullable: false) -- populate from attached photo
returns 7:38
